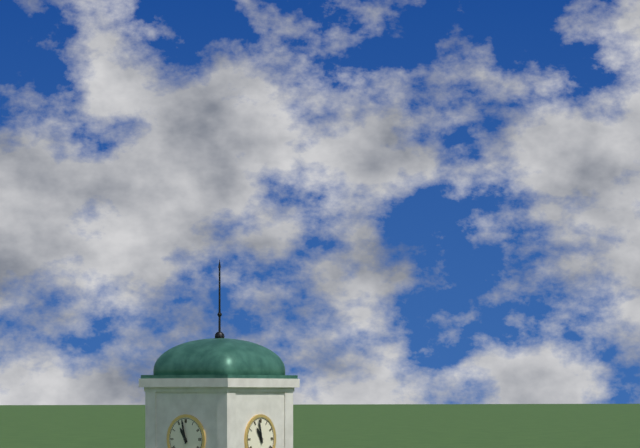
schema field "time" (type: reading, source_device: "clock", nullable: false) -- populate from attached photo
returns 10:58
